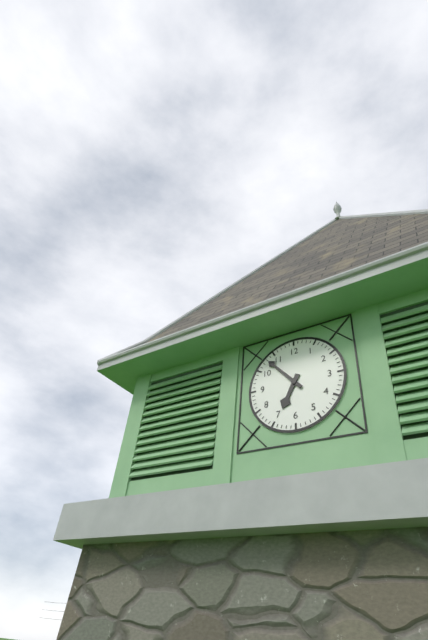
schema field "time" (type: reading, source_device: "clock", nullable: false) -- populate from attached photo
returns 6:53
